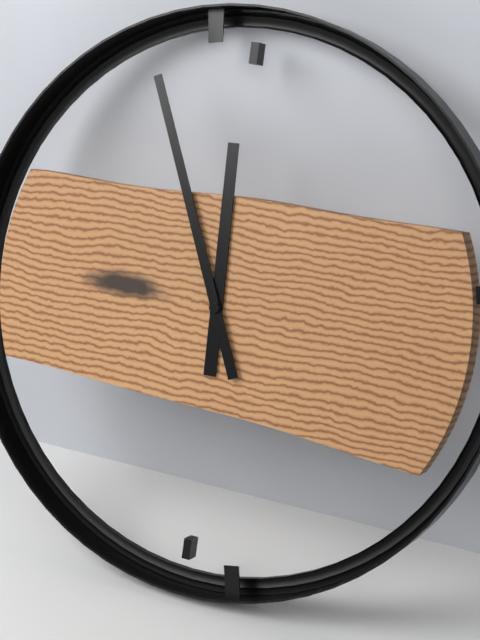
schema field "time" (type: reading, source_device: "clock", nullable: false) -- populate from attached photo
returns 11:56
